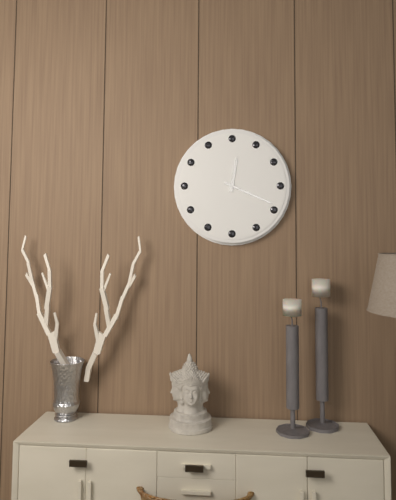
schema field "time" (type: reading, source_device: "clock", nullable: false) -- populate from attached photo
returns 12:19
